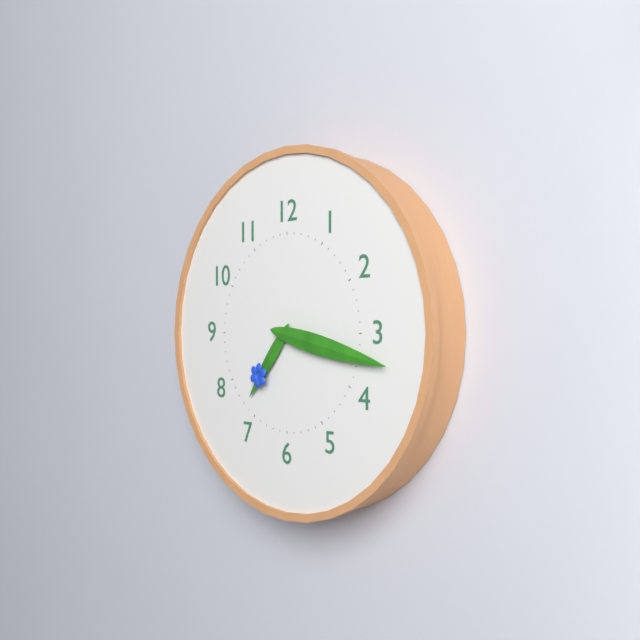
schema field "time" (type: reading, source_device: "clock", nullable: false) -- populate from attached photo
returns 7:17
